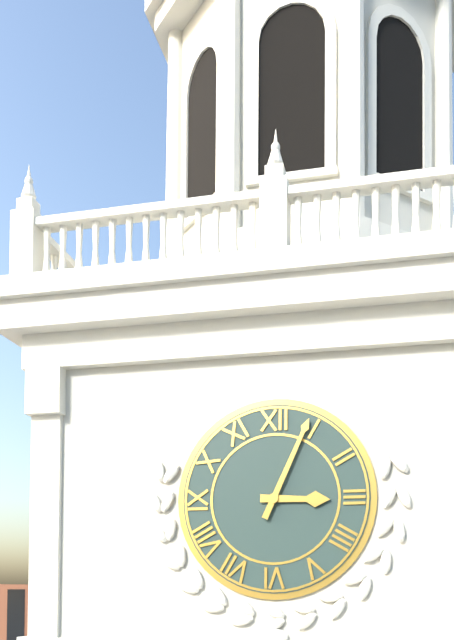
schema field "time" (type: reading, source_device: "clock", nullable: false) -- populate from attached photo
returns 3:04
